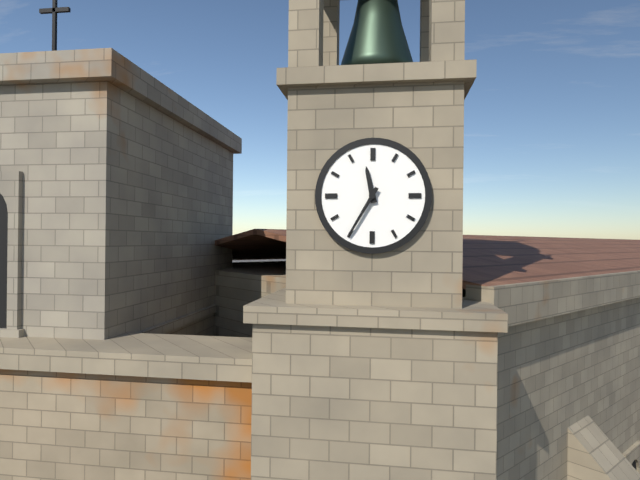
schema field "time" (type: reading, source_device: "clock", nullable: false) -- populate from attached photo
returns 11:35
